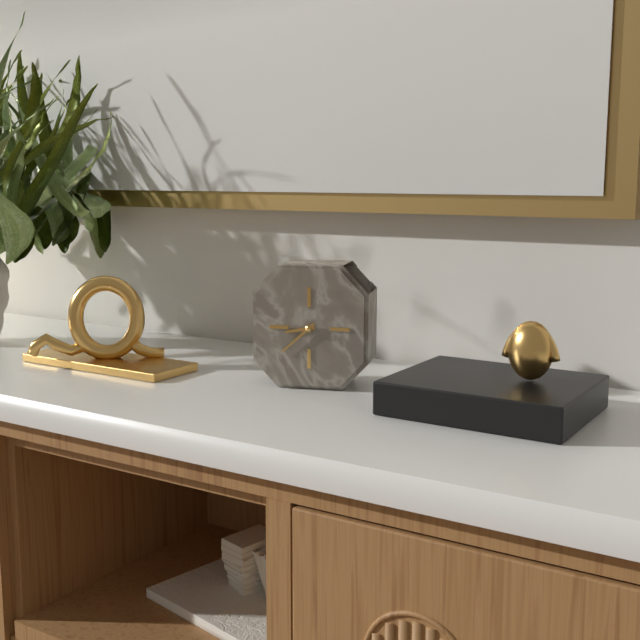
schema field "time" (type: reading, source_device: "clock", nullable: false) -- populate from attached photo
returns 8:38
